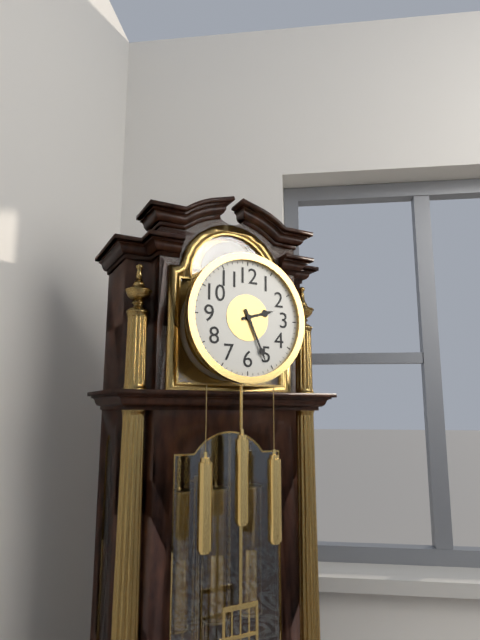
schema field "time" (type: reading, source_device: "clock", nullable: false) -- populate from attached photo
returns 2:26
